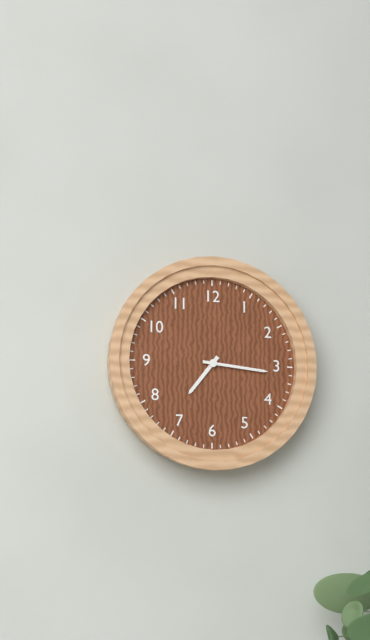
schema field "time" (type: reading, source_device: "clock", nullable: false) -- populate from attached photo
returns 7:16
